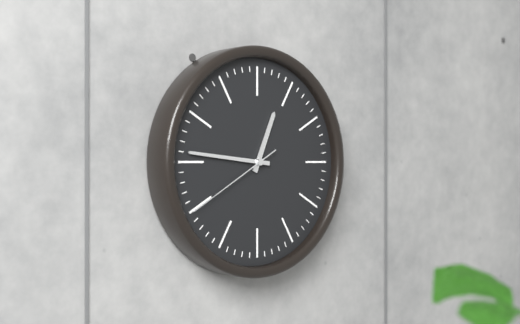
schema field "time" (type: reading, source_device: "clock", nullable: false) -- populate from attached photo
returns 12:46:40
